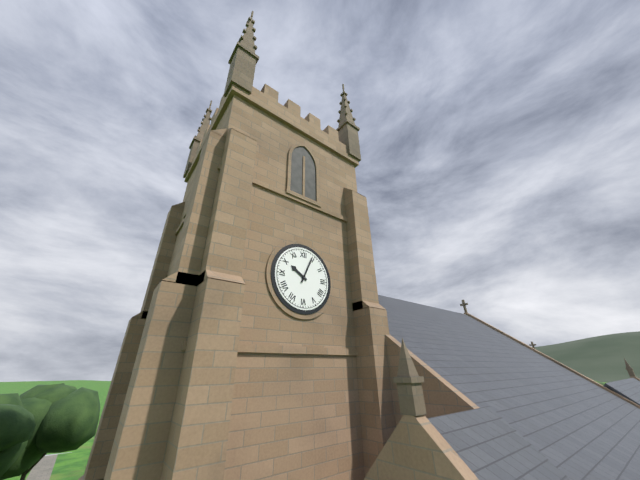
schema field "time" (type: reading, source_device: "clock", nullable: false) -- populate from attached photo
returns 10:04
